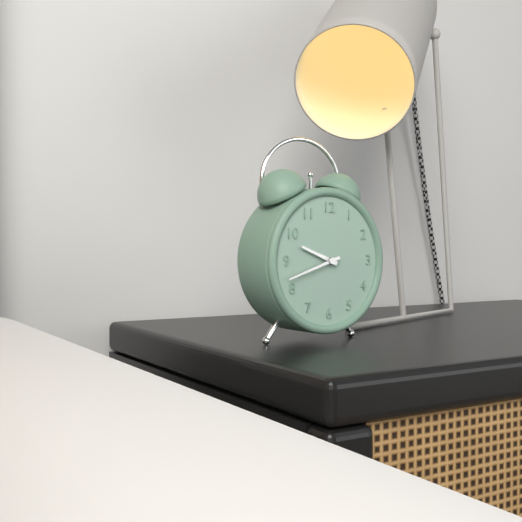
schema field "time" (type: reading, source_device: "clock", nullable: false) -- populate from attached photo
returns 9:42
